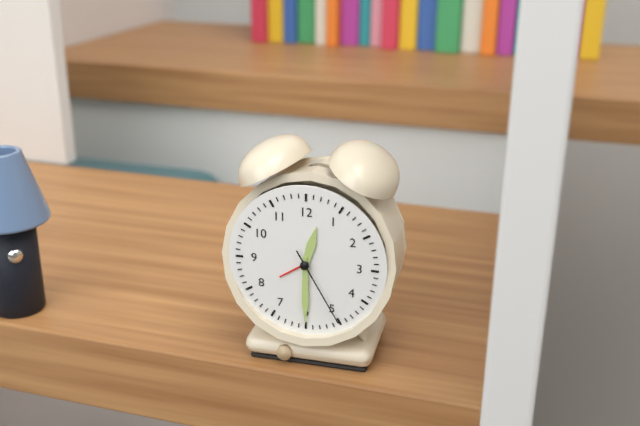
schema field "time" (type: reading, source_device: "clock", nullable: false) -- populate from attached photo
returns 12:30:25
